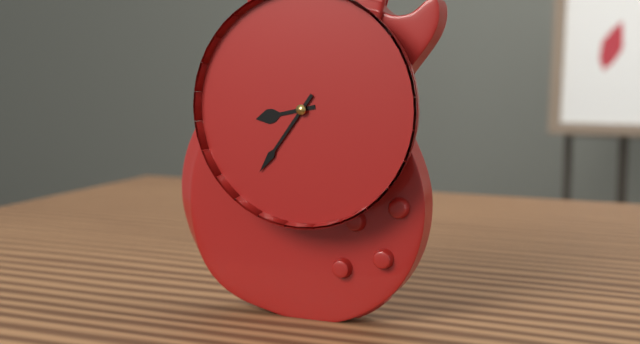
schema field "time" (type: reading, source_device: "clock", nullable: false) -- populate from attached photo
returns 8:36
